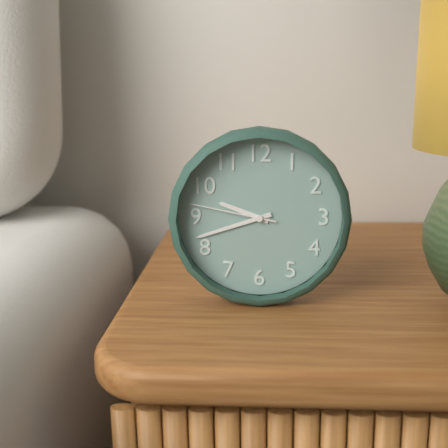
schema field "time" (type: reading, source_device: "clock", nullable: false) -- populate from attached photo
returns 9:42:47
